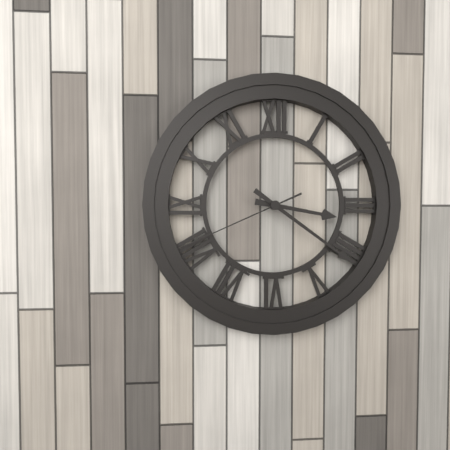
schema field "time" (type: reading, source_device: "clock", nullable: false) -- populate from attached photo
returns 3:21:41
